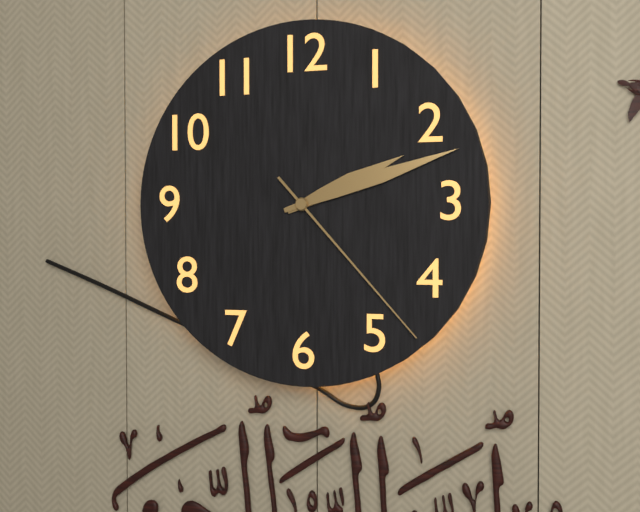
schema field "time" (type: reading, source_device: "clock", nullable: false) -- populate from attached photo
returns 2:12:23
